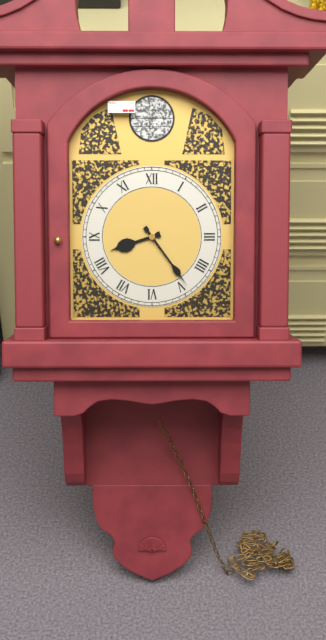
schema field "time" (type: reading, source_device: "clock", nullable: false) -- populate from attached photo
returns 8:24
